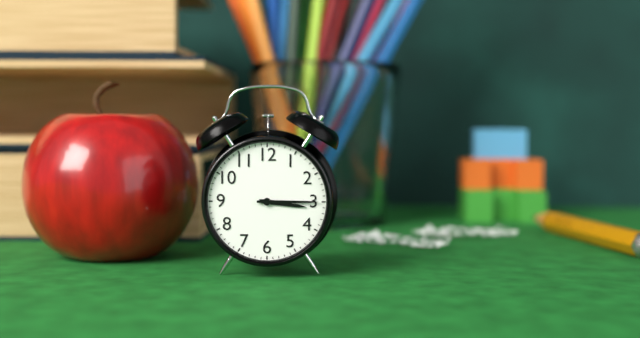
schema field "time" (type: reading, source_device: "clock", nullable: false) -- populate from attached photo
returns 3:15
